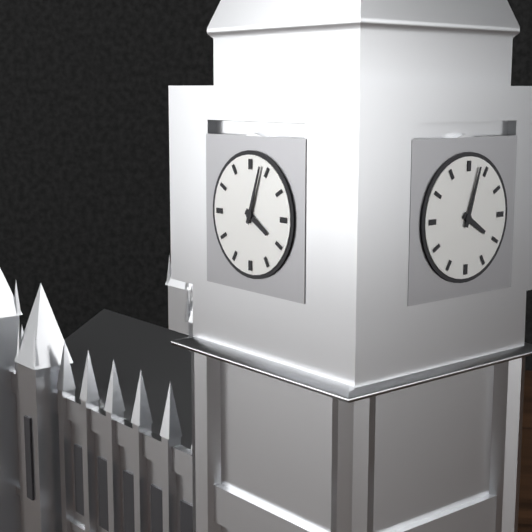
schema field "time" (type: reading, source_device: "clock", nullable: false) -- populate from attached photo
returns 4:03
